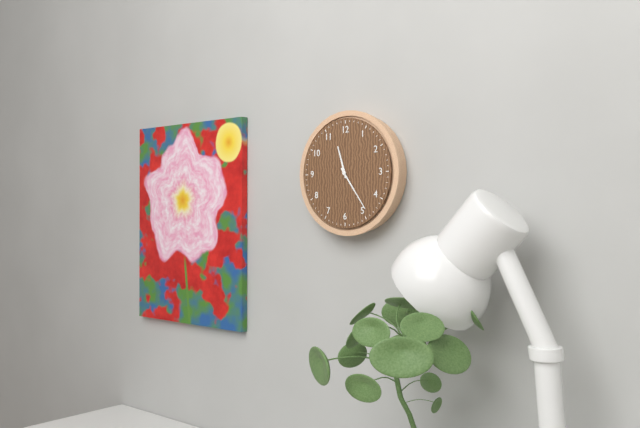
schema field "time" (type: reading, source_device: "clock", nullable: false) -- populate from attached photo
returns 11:24
